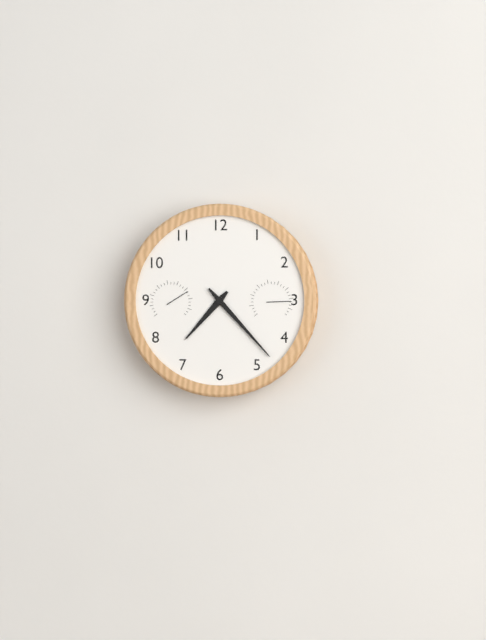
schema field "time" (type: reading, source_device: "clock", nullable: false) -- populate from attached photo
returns 7:23
